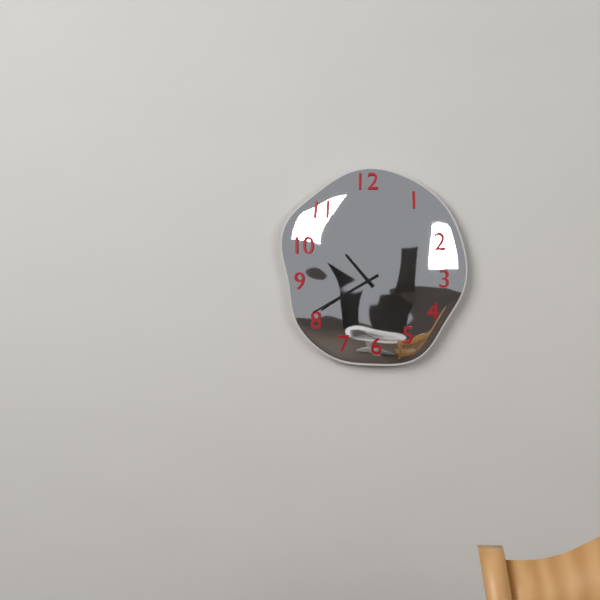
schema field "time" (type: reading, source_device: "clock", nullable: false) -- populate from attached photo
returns 10:40
